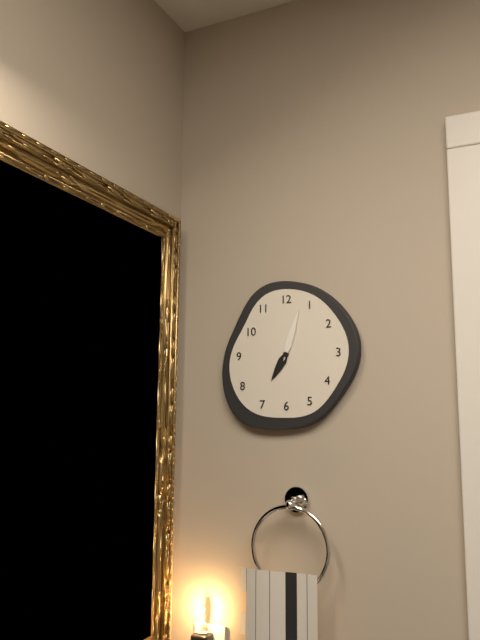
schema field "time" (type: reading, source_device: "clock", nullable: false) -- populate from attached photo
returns 7:03
